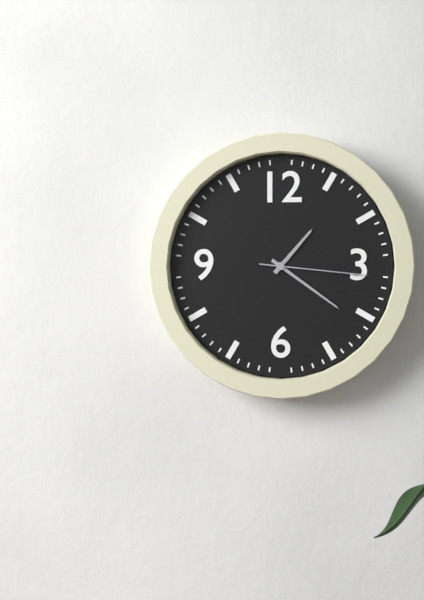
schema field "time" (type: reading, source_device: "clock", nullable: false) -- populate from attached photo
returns 1:21:16
